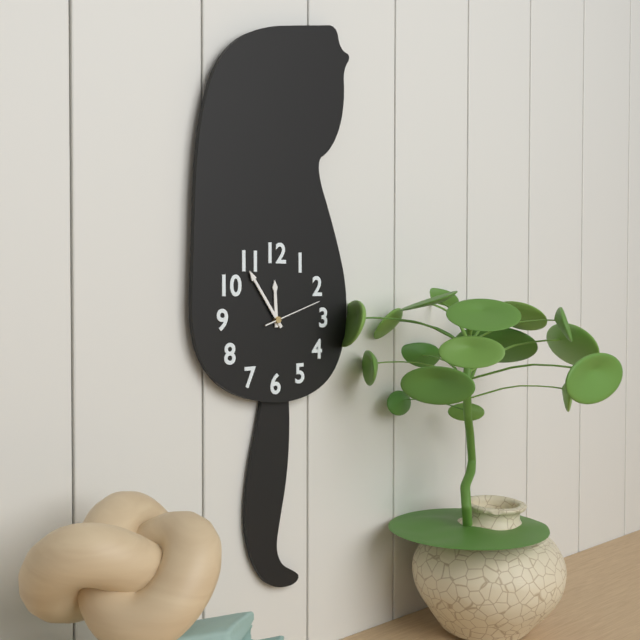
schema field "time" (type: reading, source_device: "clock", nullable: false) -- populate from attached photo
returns 11:54:12
